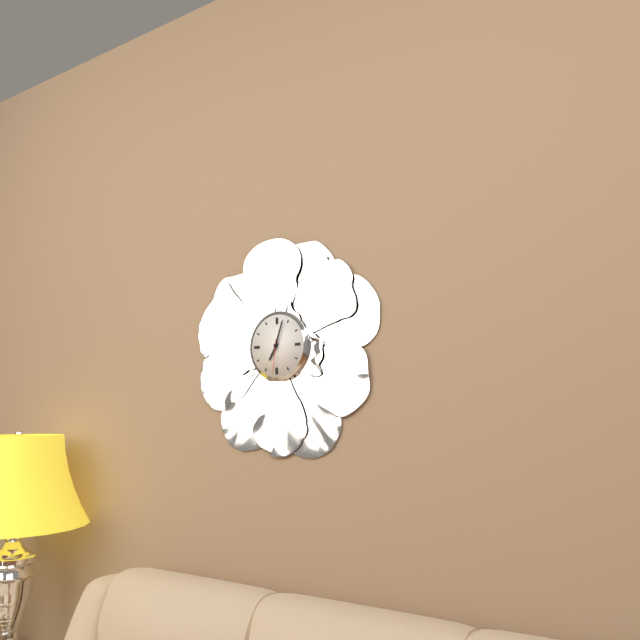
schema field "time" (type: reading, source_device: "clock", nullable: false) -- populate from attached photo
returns 7:03
